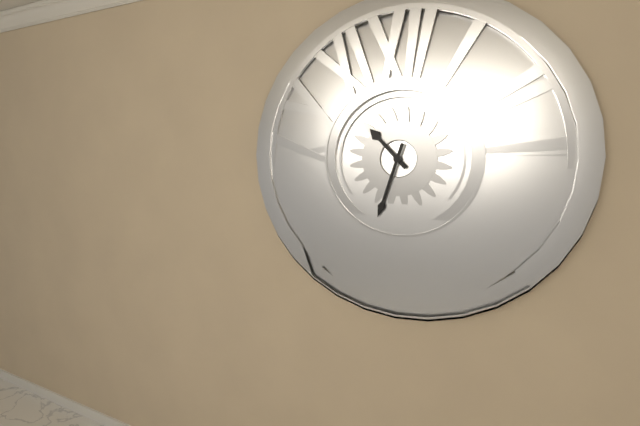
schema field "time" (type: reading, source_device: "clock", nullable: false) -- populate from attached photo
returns 10:33
